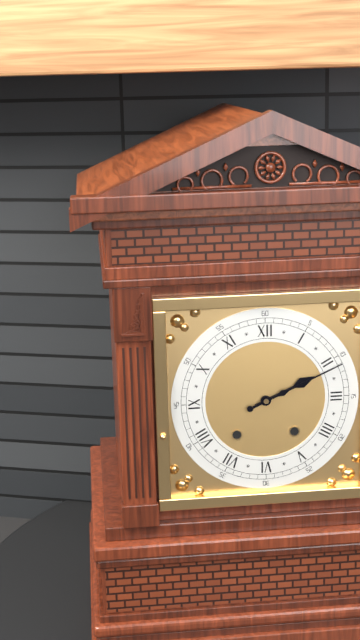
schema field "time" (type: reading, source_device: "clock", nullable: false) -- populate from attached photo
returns 2:11
